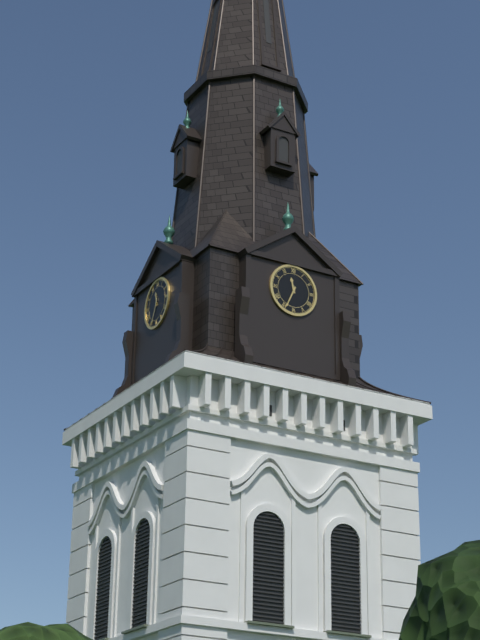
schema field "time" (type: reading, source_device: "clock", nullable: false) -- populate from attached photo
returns 11:34
